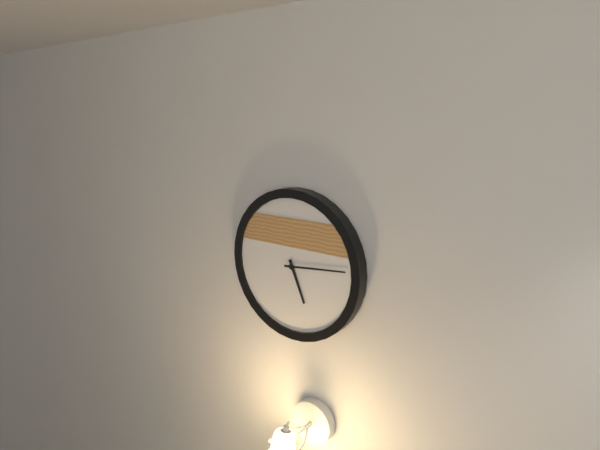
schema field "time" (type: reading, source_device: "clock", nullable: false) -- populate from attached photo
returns 5:14
